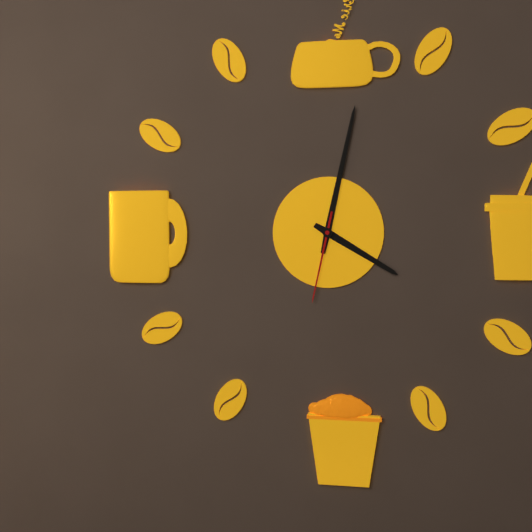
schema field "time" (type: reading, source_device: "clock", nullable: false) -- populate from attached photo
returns 4:02:32
